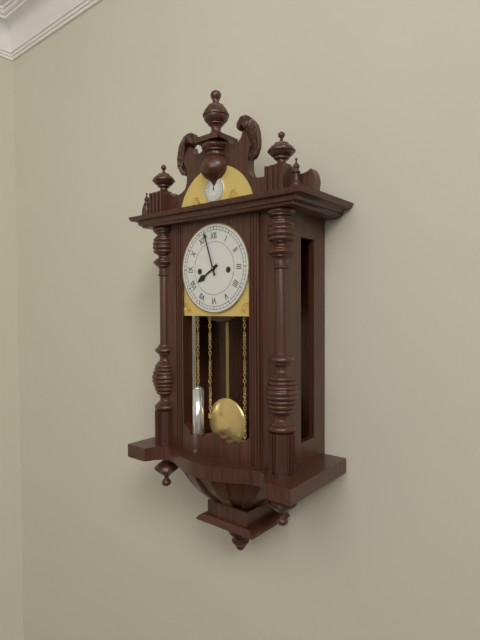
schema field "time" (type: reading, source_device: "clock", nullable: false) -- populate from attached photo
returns 7:57
